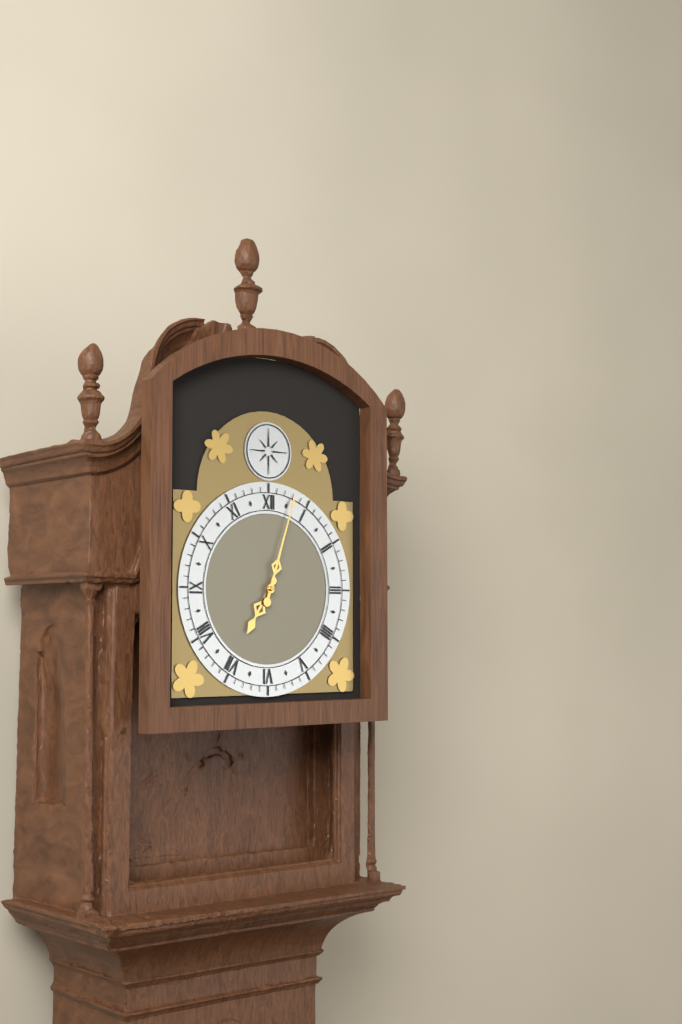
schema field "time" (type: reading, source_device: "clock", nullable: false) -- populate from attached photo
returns 7:03
